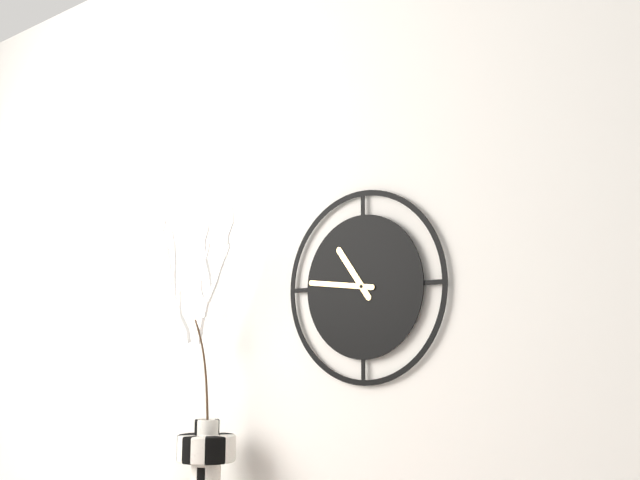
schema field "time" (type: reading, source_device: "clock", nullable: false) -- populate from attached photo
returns 10:46
